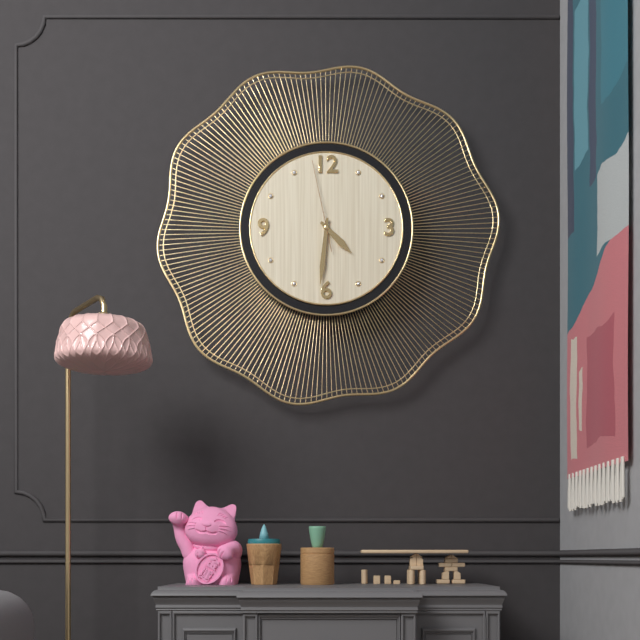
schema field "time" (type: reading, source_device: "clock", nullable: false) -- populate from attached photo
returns 4:31:58
